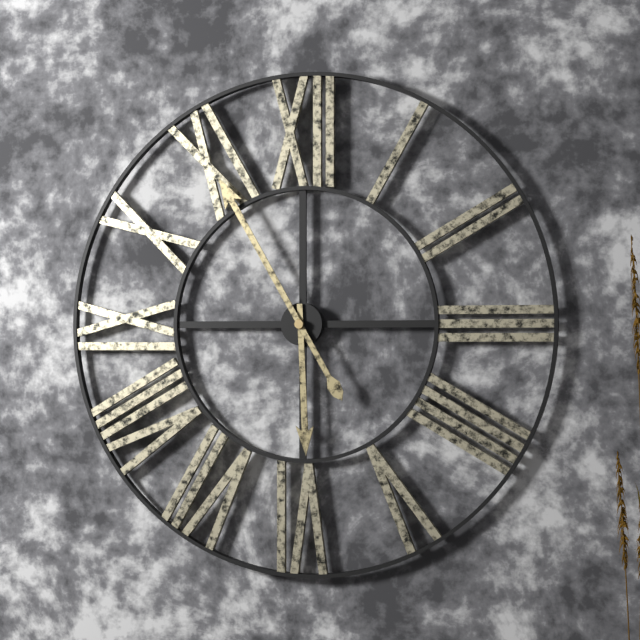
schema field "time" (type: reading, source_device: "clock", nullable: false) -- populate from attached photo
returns 5:55
